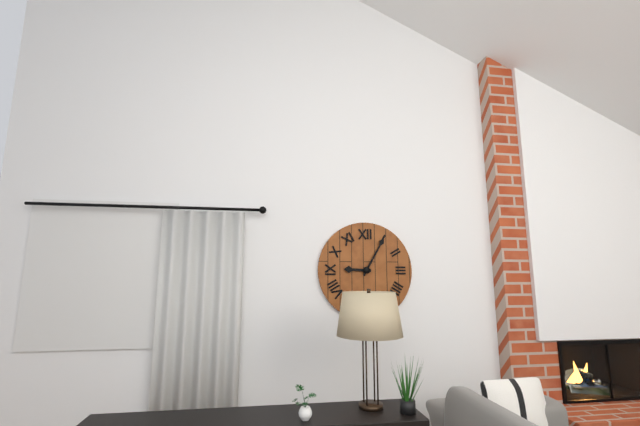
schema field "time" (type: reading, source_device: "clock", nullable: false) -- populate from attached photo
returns 9:05
